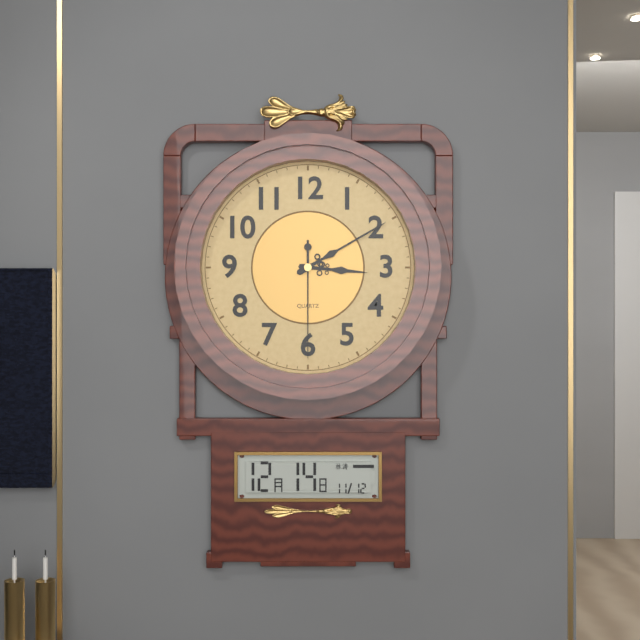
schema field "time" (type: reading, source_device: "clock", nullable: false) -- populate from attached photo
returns 3:10:30
